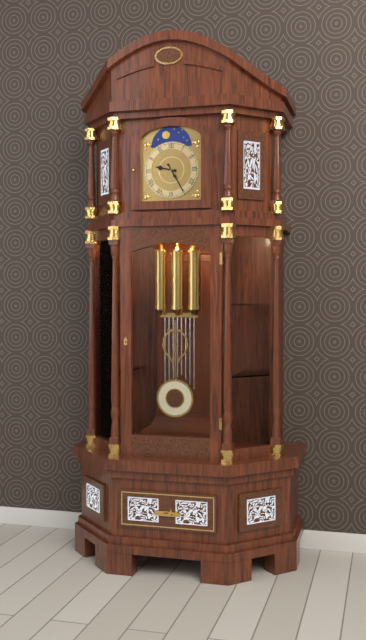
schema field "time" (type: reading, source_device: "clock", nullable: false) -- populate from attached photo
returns 9:25
